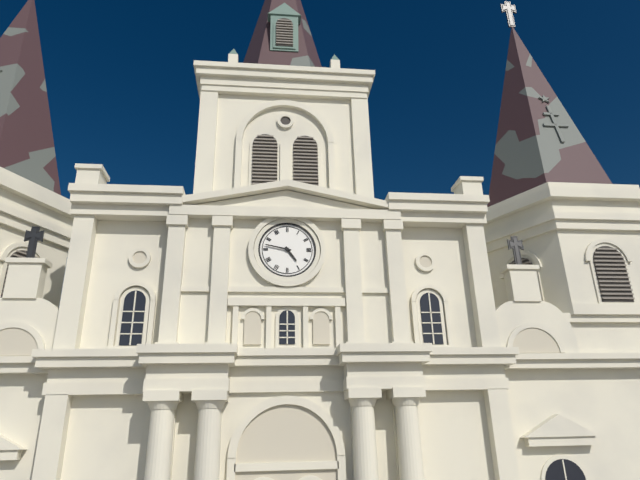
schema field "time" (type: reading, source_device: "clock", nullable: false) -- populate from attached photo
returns 4:47
